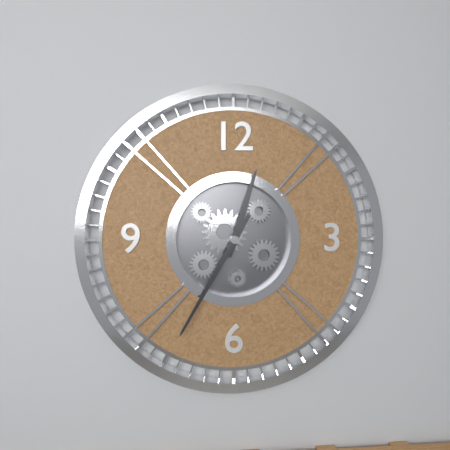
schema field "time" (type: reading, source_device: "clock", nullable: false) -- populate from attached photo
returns 12:35
